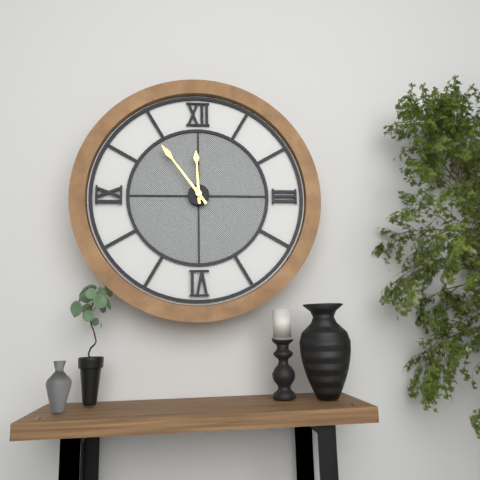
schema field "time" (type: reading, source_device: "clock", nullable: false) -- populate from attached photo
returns 11:54
